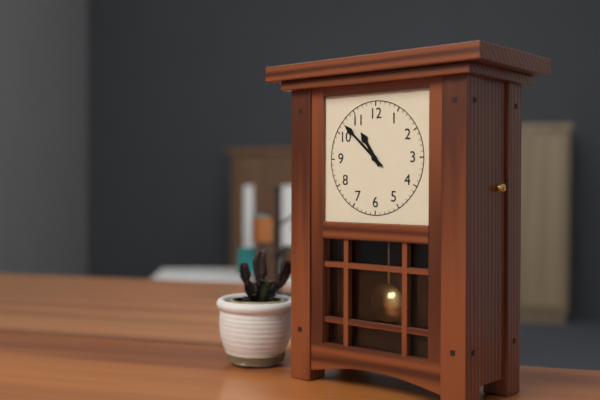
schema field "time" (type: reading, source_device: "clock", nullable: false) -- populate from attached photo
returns 10:52
